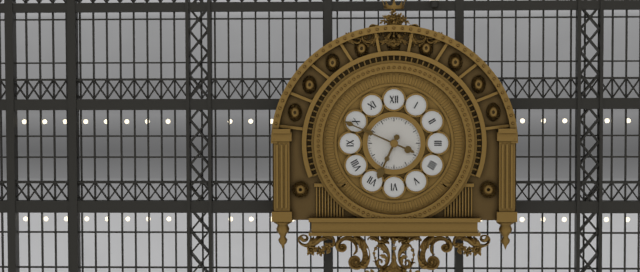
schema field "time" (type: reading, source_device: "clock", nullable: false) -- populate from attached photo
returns 6:49
